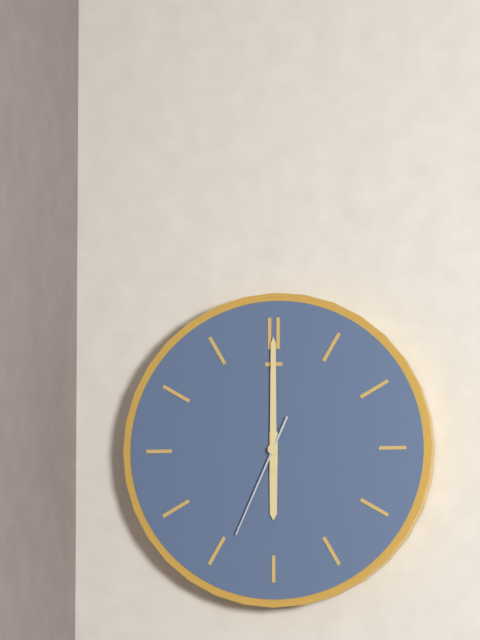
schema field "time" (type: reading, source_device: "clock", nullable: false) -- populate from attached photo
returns 6:00:34
